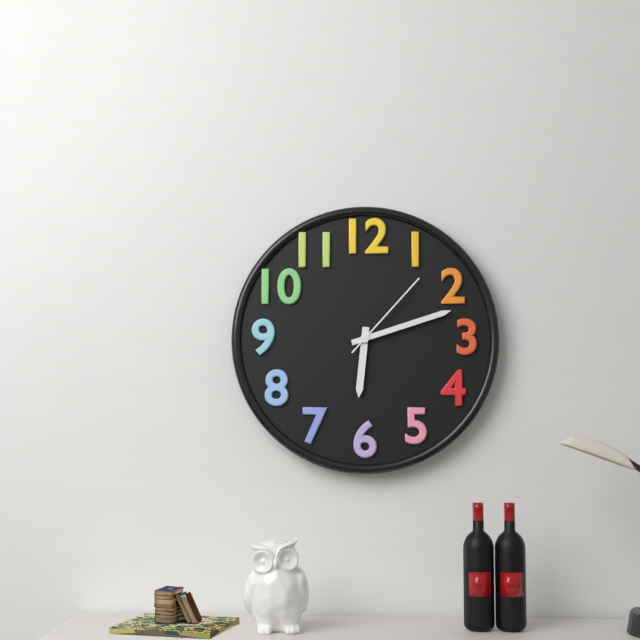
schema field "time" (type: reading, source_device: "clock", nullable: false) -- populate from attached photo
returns 6:12:07
